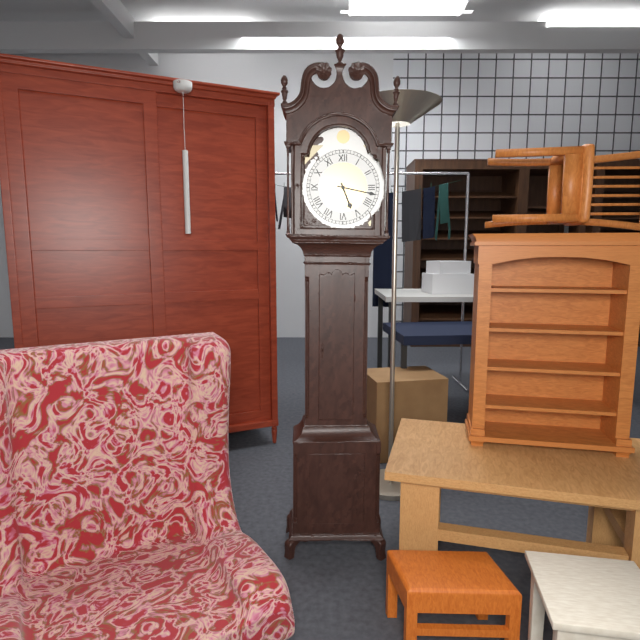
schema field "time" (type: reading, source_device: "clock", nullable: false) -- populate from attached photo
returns 5:17
